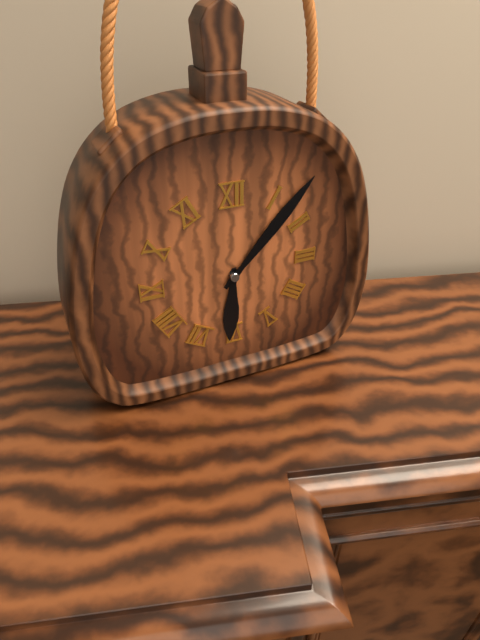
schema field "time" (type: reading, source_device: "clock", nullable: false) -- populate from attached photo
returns 6:07
